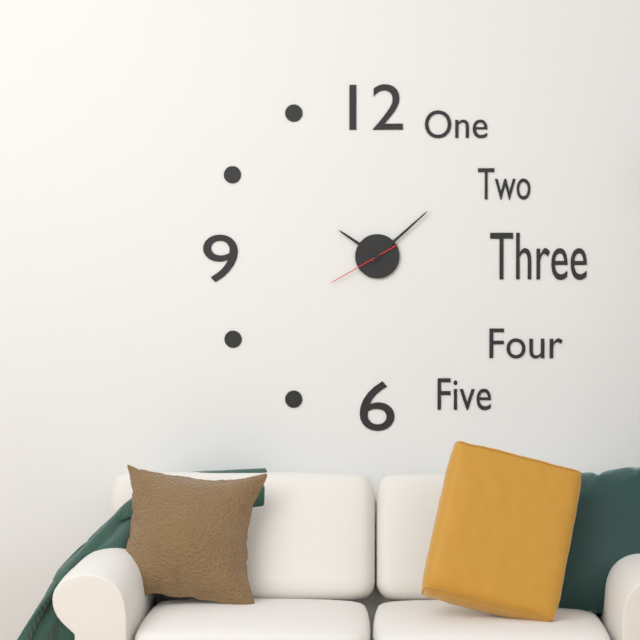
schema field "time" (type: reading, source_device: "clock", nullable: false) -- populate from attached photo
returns 10:08:40
